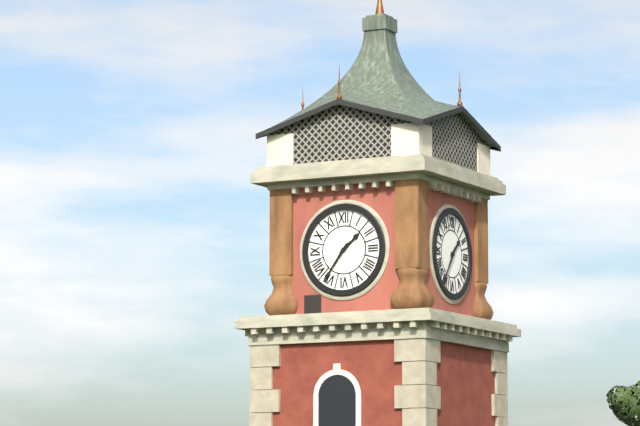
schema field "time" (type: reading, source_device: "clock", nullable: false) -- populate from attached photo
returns 1:36
